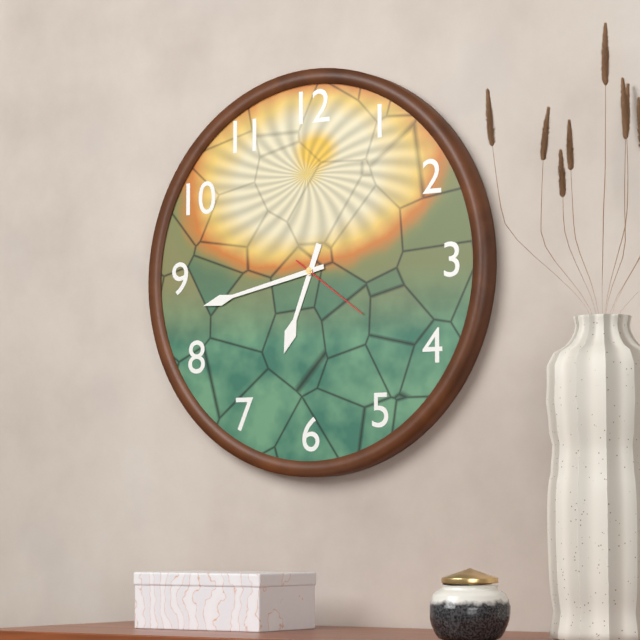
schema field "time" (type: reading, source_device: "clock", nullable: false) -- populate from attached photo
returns 6:43:21
